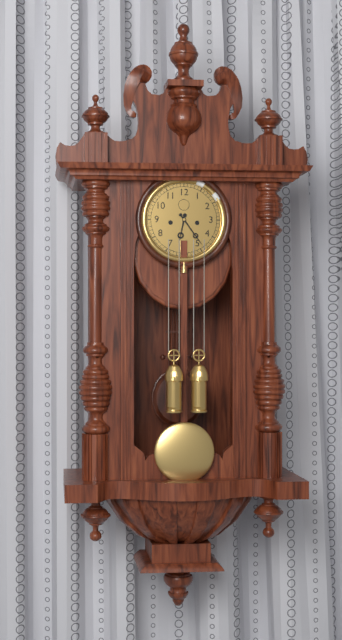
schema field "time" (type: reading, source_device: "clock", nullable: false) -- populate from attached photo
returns 6:24
